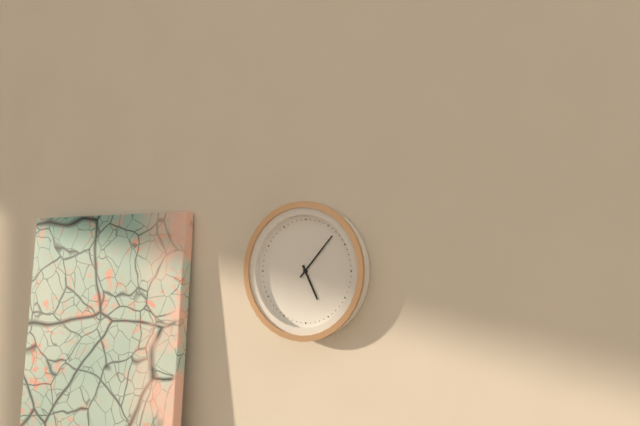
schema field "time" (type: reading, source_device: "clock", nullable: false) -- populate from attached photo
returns 5:07
